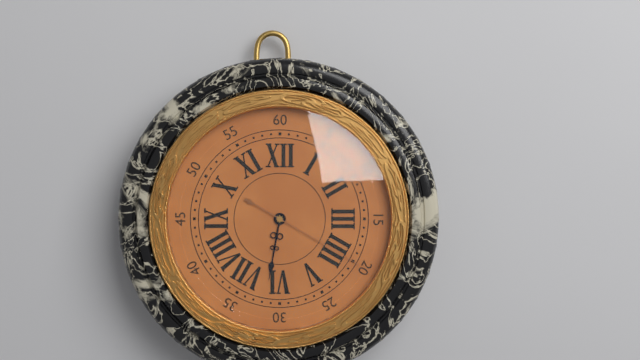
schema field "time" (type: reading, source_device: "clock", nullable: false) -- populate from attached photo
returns 6:20
